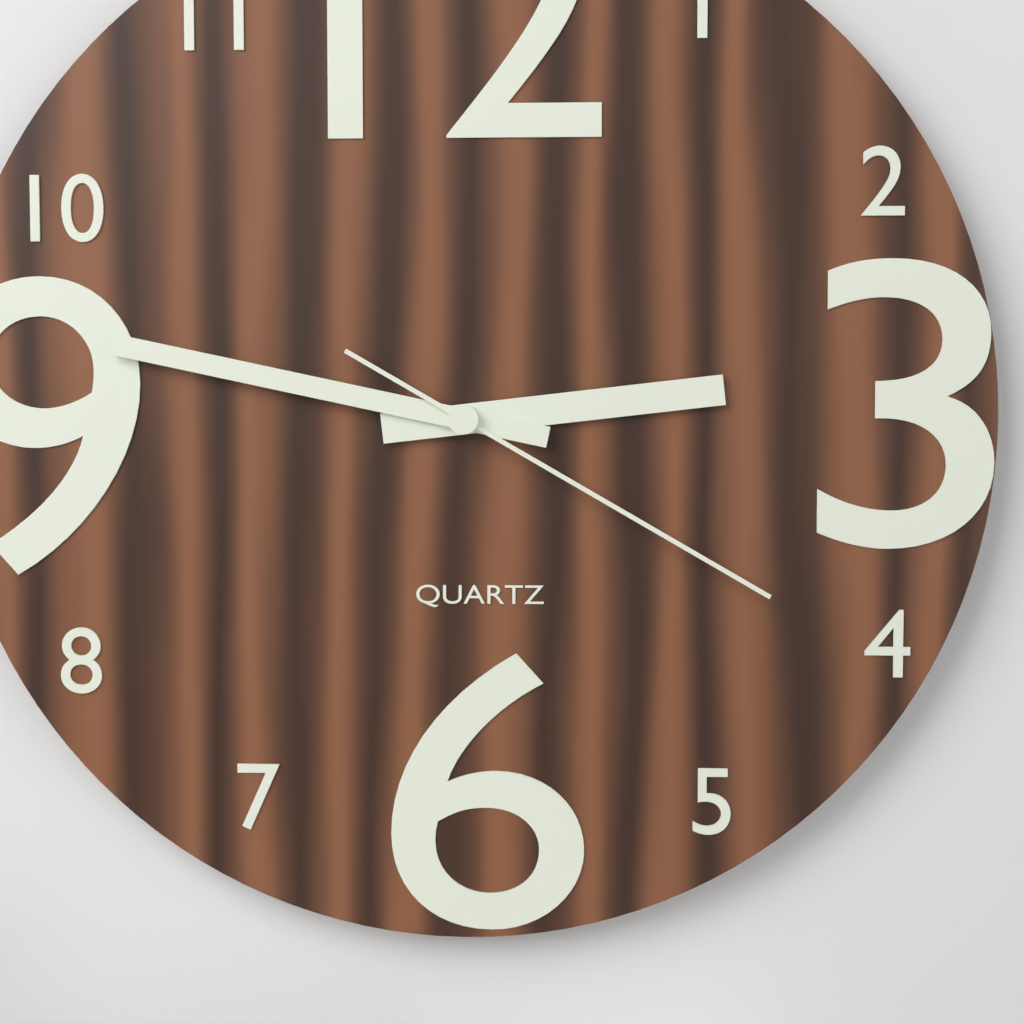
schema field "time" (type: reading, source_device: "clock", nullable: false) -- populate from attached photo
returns 2:47:20
